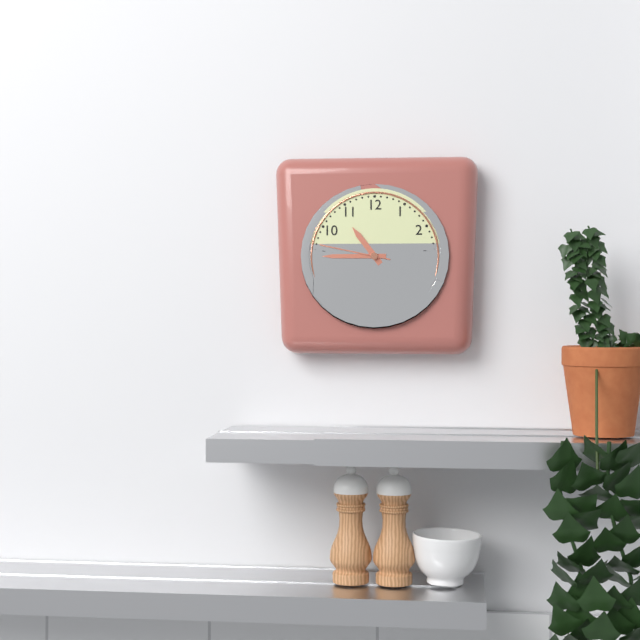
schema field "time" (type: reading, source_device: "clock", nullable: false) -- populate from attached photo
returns 10:45:47
